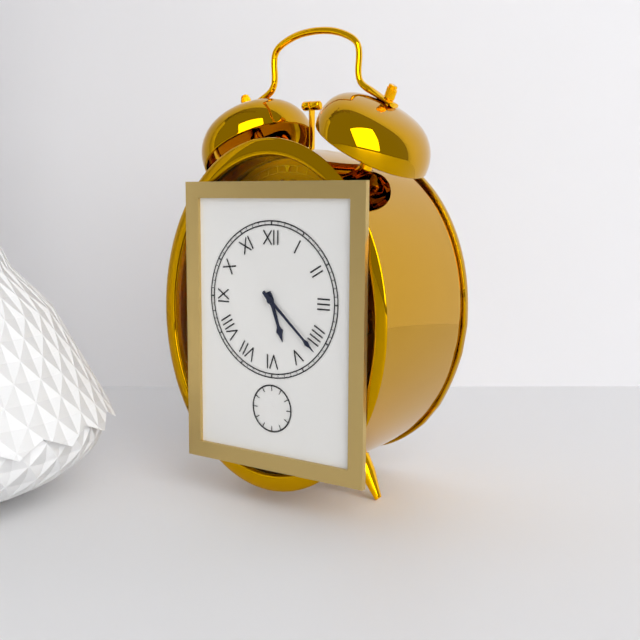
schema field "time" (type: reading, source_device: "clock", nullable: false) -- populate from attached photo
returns 5:22
